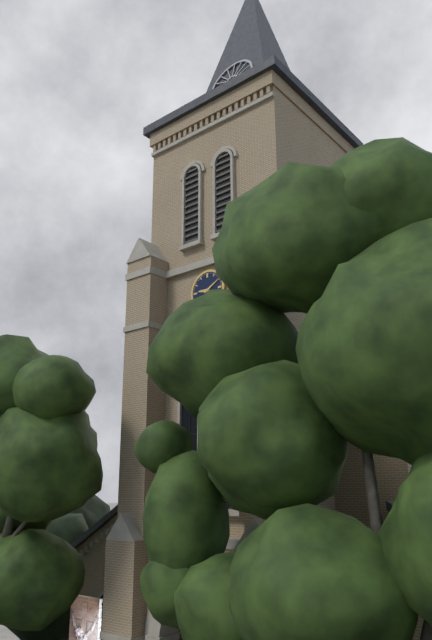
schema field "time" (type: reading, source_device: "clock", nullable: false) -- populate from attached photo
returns 9:10
